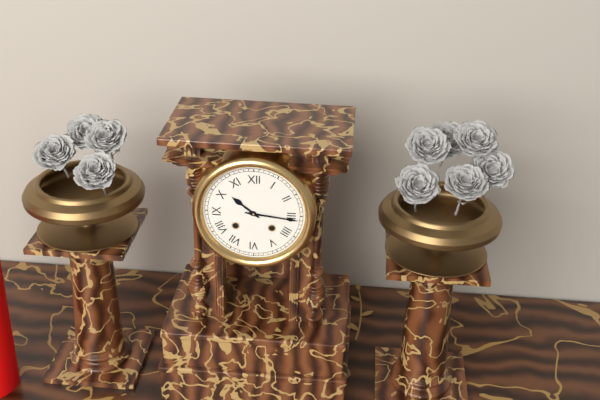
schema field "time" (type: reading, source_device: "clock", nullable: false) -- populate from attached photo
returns 10:16
